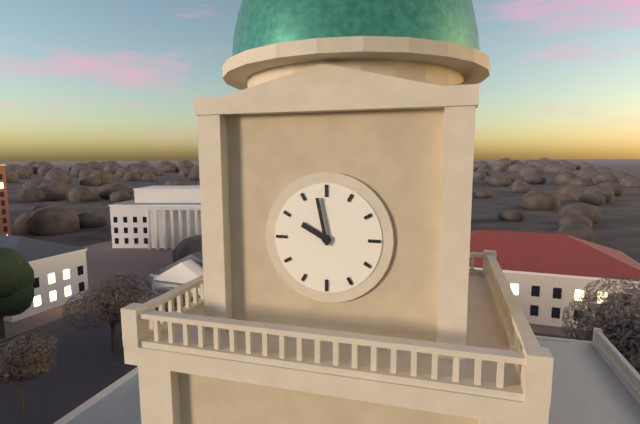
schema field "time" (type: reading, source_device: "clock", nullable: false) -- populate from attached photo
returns 9:58
